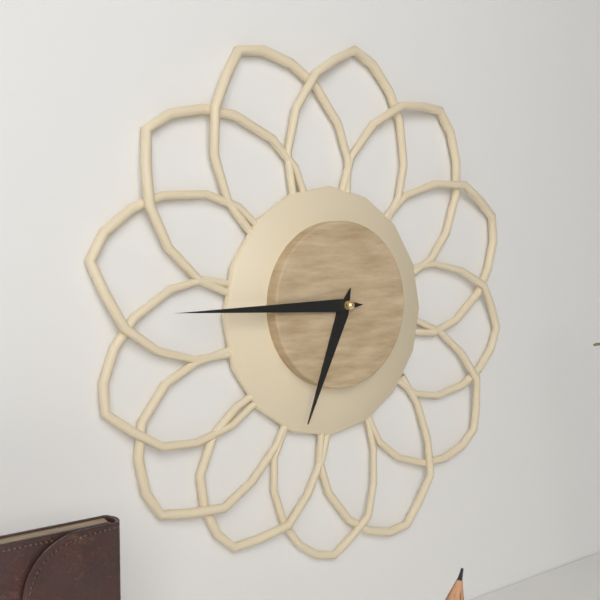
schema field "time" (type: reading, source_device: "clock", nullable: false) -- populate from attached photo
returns 6:45
